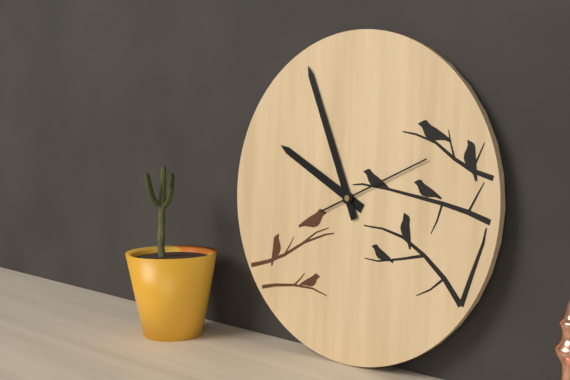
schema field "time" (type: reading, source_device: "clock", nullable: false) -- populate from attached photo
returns 9:56:11
